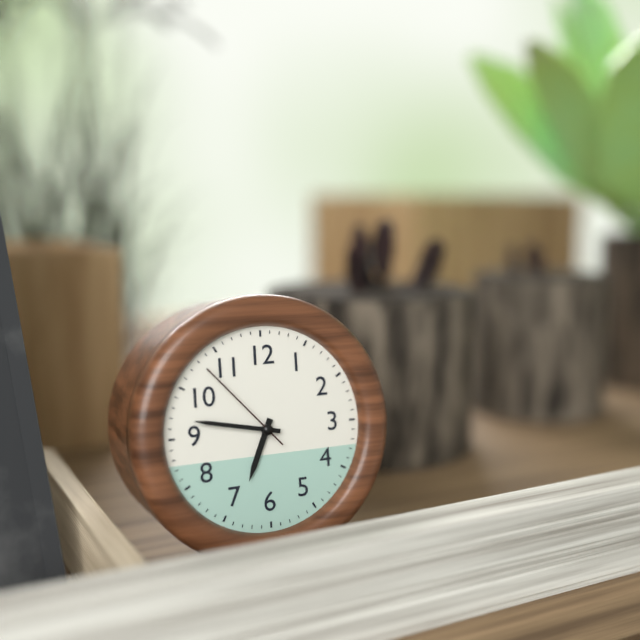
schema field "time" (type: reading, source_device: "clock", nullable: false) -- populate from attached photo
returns 6:47:53
